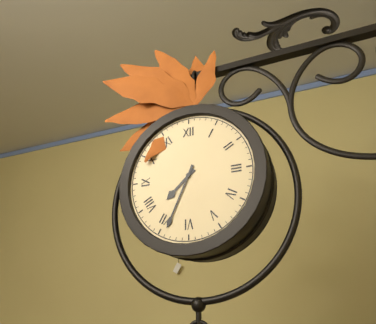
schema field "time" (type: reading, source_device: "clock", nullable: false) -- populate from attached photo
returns 7:34
